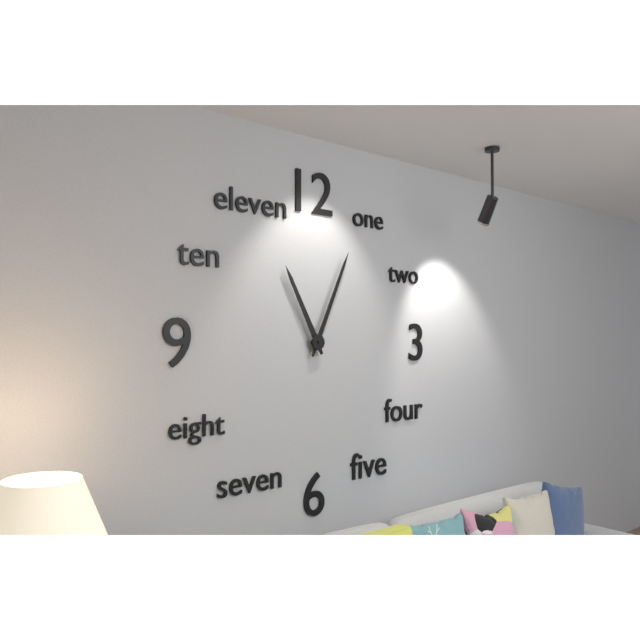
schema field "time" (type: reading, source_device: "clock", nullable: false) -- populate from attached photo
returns 11:04
